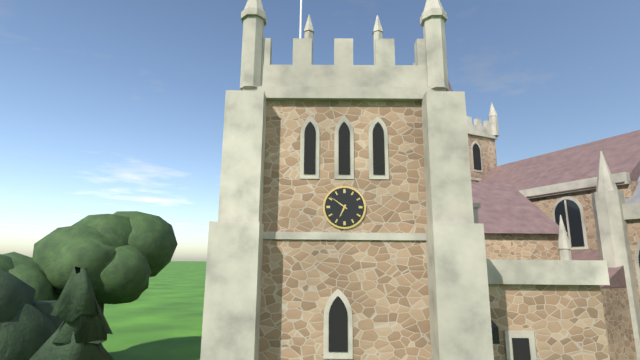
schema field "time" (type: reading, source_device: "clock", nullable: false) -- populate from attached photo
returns 6:51
